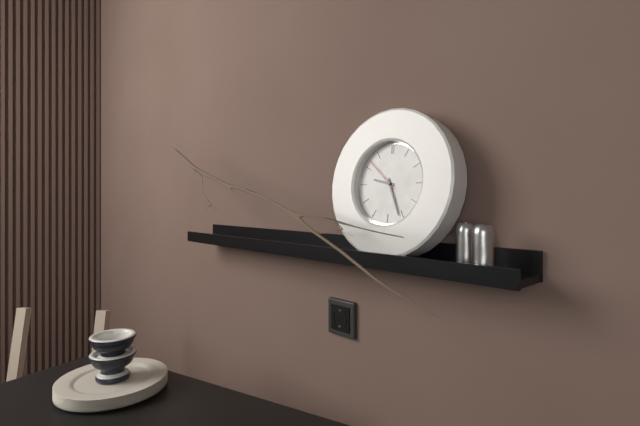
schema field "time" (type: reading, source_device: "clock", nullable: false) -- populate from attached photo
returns 9:26
